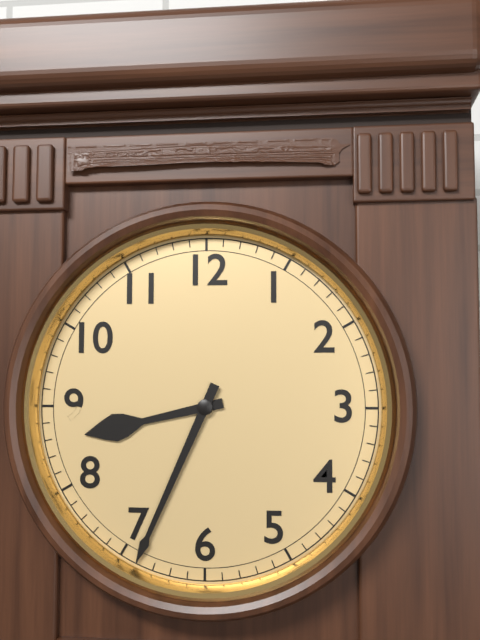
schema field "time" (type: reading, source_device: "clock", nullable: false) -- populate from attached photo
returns 8:34
